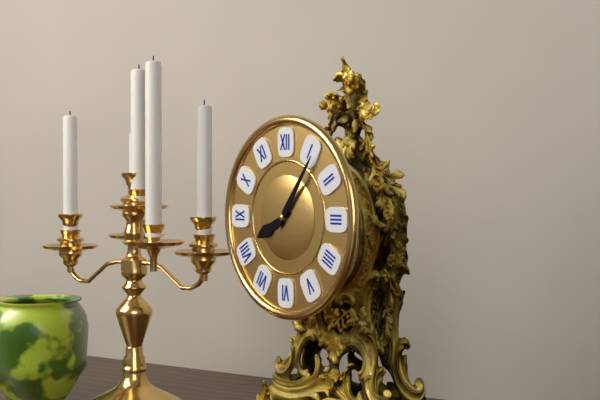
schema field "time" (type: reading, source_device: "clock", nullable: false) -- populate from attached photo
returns 8:06
